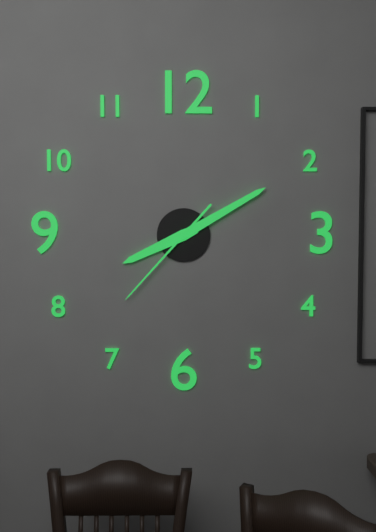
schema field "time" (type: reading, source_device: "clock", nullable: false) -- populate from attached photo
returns 8:10:37
